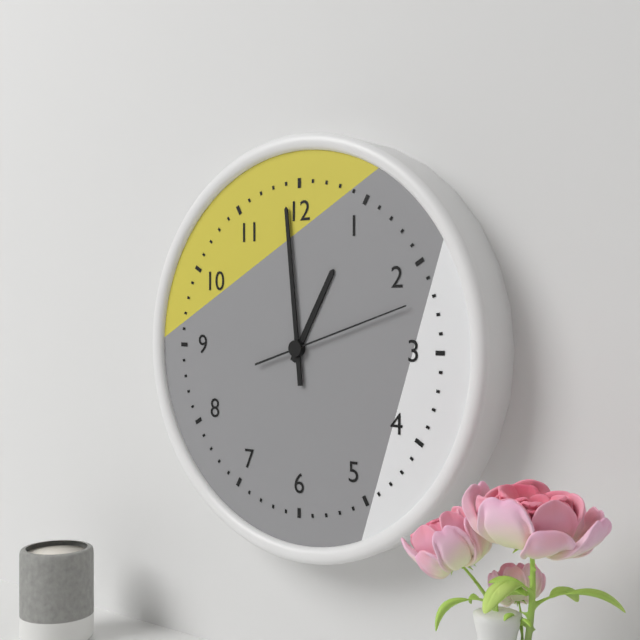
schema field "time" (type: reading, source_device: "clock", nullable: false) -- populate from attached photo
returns 12:59:12
